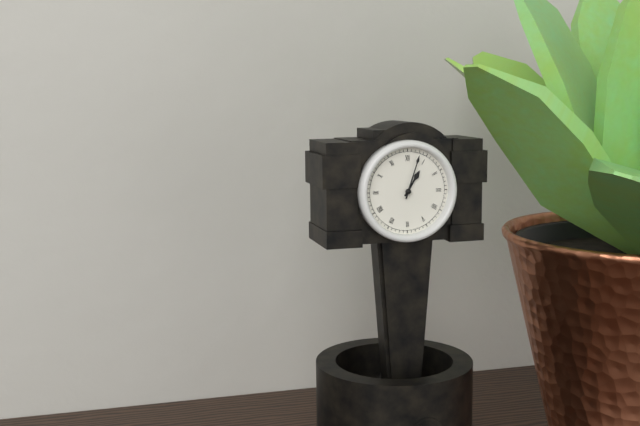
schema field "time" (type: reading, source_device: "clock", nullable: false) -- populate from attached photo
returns 1:03
